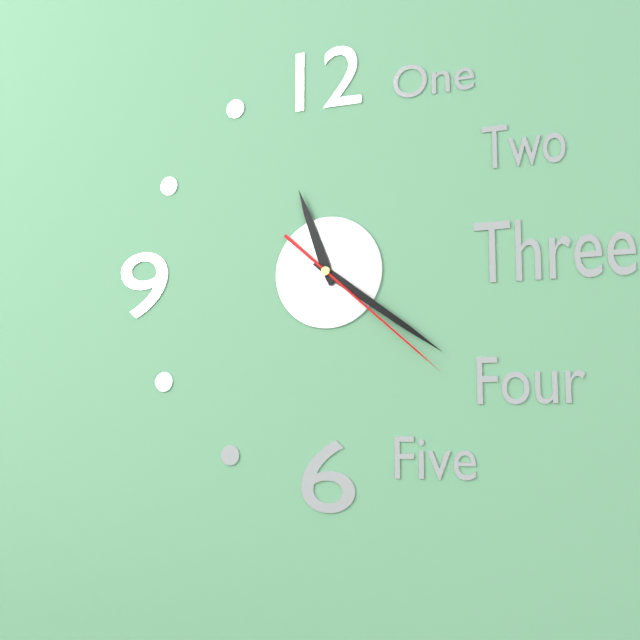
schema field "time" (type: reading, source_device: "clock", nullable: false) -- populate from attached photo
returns 11:21:22
